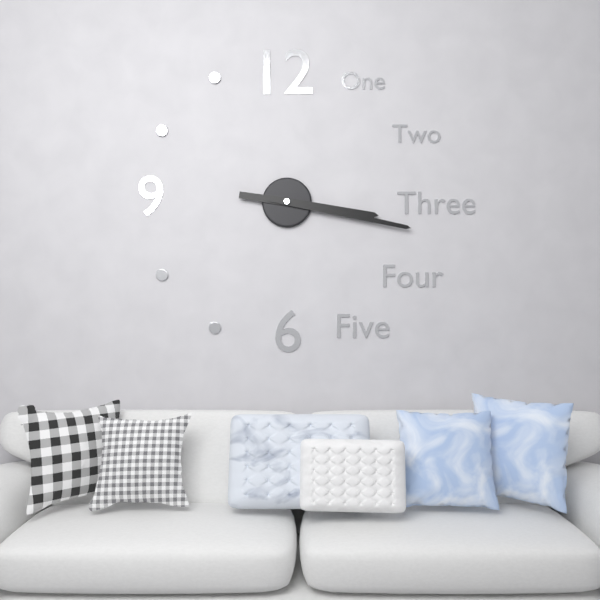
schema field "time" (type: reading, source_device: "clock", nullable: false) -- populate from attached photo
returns 3:17
